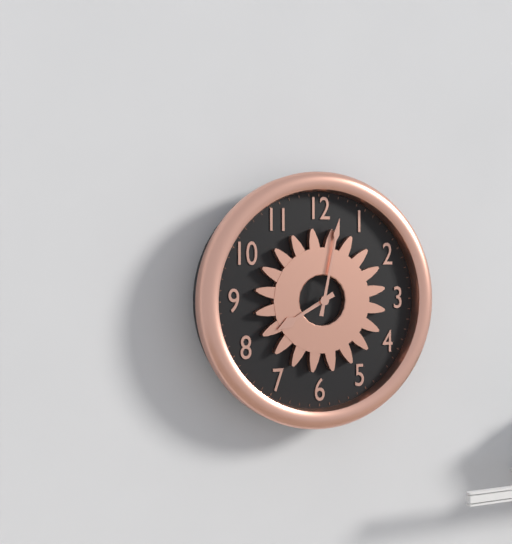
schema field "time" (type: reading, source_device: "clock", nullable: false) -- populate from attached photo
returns 8:02
